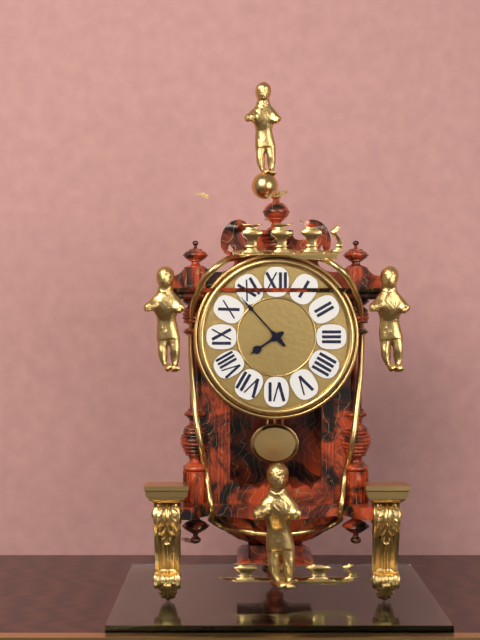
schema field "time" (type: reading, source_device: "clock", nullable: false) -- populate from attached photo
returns 7:53
